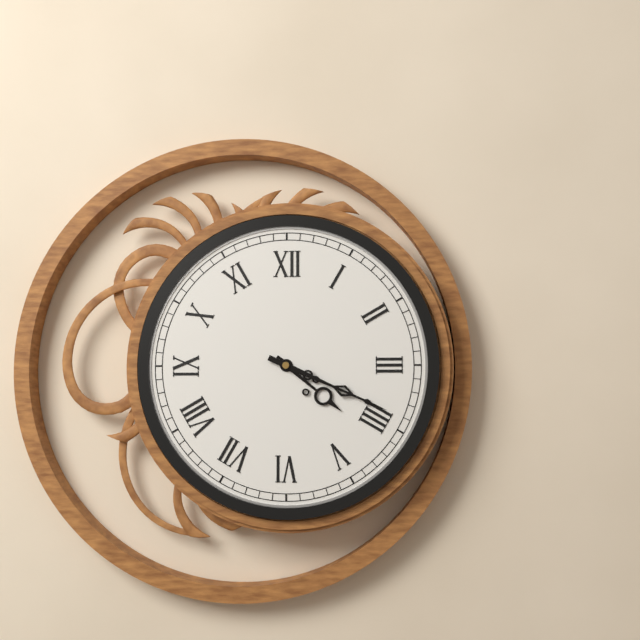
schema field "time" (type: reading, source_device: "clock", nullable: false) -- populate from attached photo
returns 4:19
